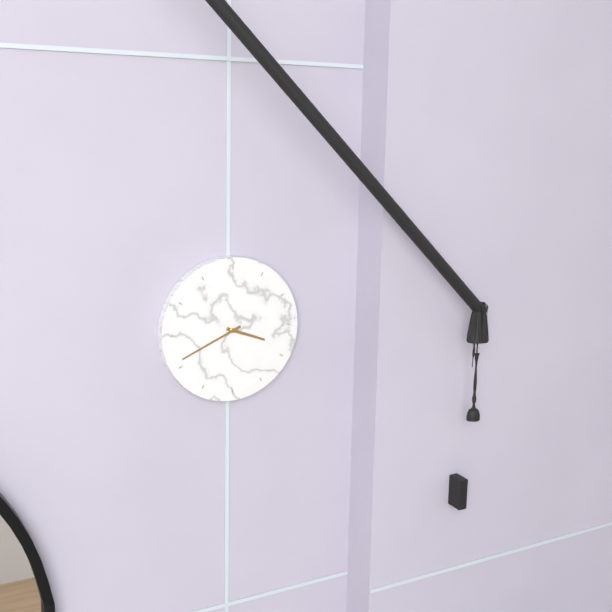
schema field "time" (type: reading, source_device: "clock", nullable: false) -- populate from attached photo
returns 3:41
